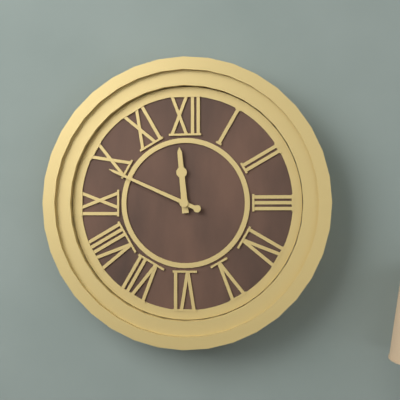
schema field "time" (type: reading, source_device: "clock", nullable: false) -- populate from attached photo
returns 11:49
